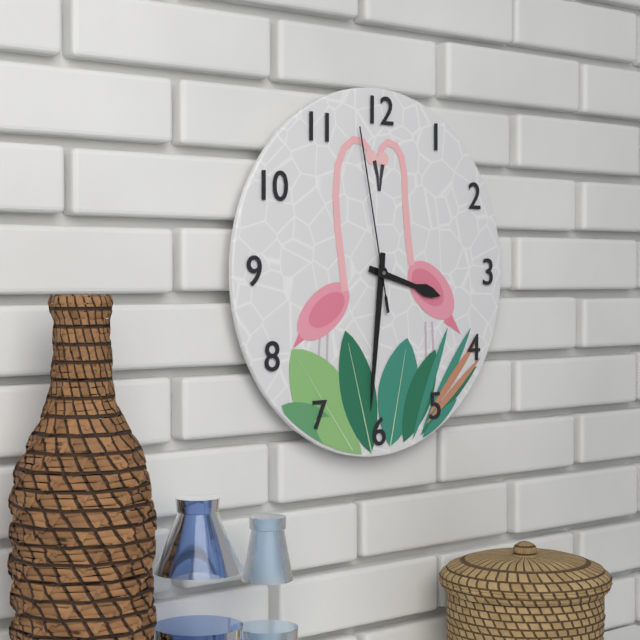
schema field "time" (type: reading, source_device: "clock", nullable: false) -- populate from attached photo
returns 3:31:58
